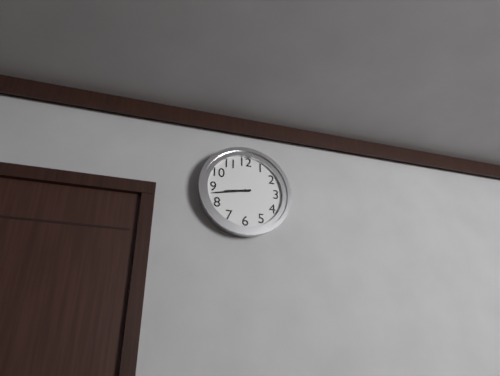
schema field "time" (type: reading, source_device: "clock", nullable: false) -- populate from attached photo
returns 8:43
